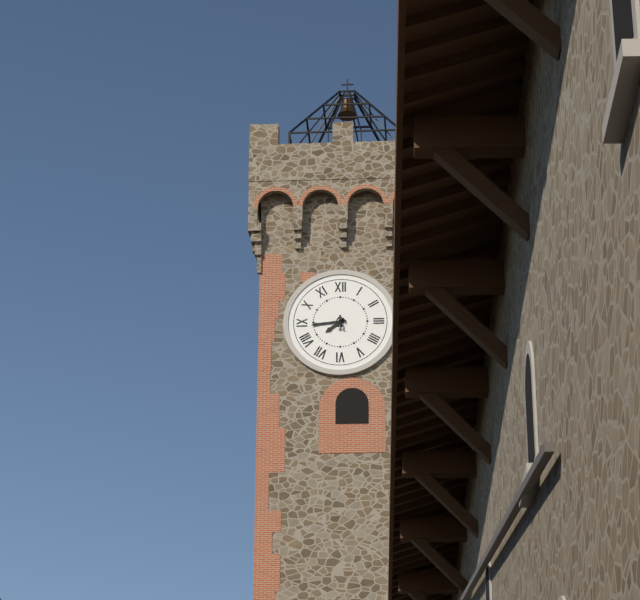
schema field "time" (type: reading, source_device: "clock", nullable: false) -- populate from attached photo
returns 7:44
